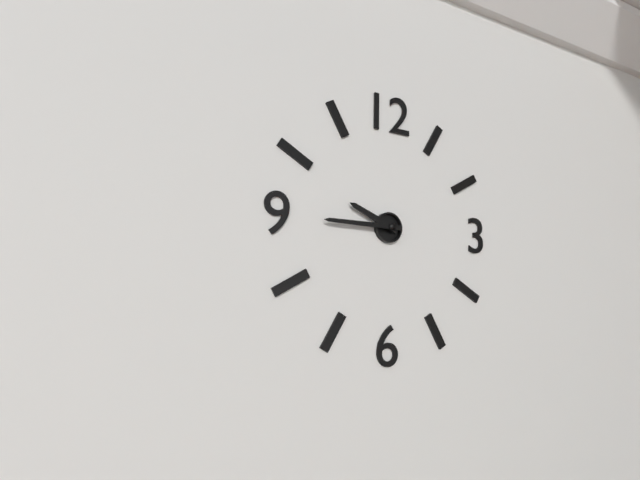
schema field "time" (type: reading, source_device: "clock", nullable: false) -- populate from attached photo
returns 9:45
